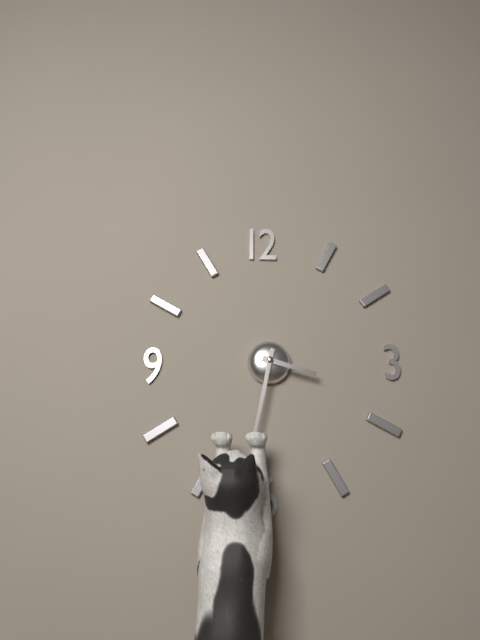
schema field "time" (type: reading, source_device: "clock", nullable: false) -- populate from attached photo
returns 3:32
